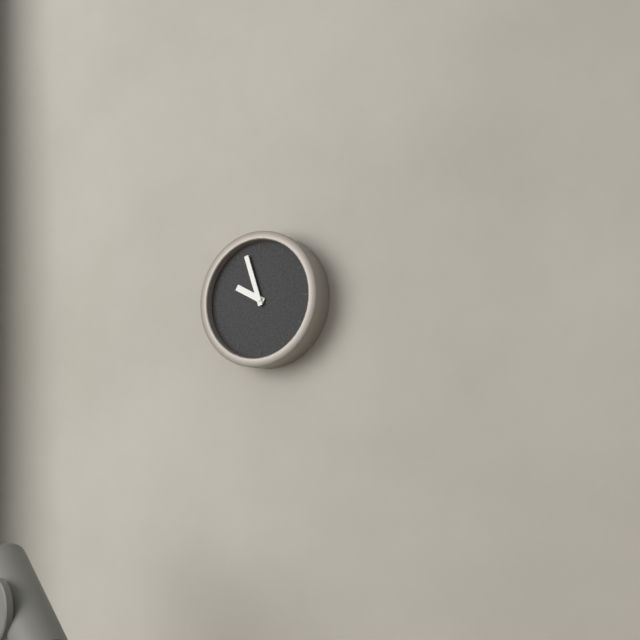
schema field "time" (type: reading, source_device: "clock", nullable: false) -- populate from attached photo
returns 9:57
